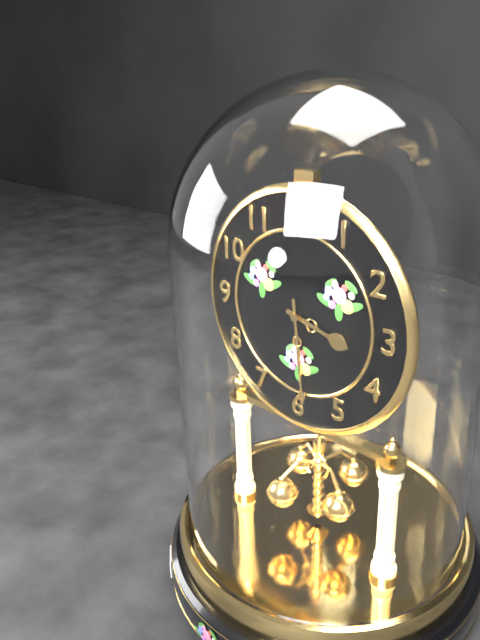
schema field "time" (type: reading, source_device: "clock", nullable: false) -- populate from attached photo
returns 3:29
